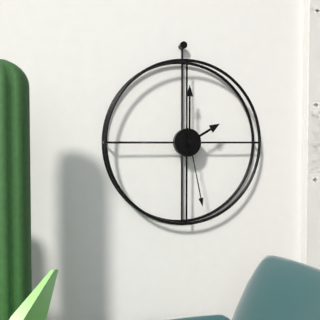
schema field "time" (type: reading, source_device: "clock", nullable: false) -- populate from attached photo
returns 2:00:28
